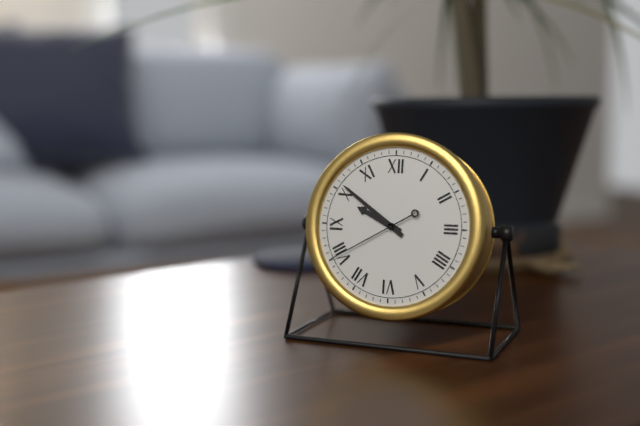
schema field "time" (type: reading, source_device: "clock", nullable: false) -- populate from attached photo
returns 9:51:40
